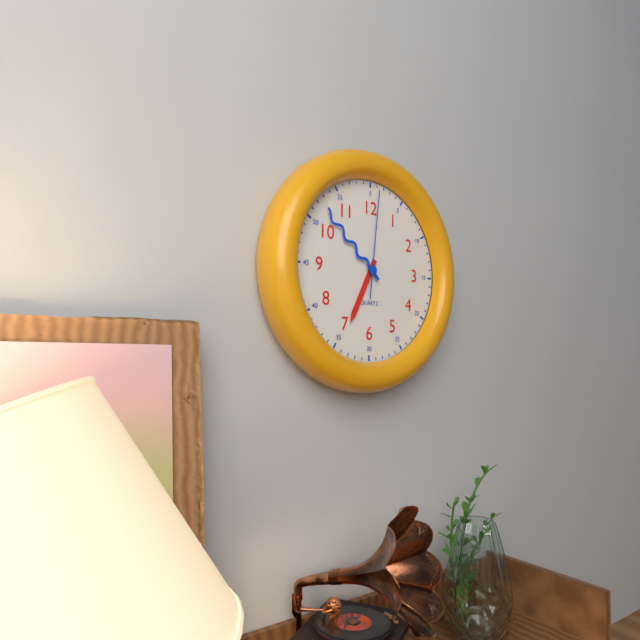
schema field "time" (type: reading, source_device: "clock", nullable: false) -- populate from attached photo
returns 6:52:01
